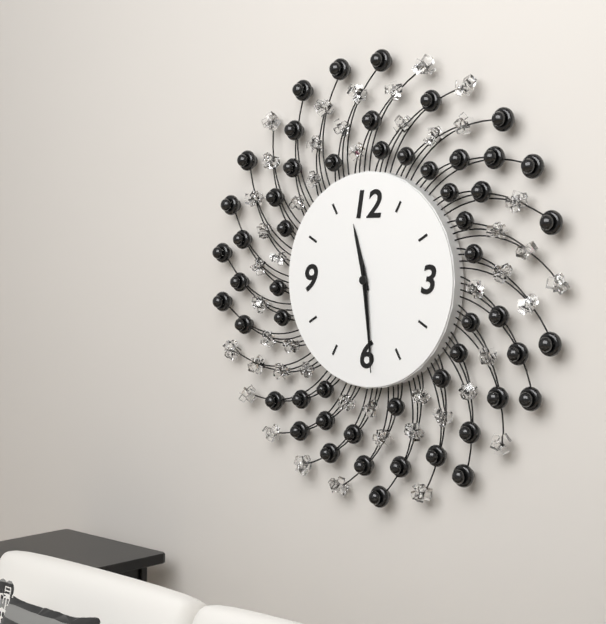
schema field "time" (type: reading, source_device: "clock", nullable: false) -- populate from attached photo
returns 11:29:29
